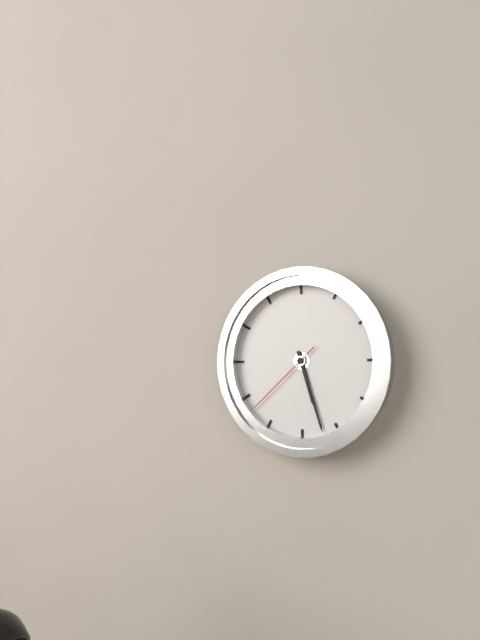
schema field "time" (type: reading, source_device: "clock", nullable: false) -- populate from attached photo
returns 5:27:38
